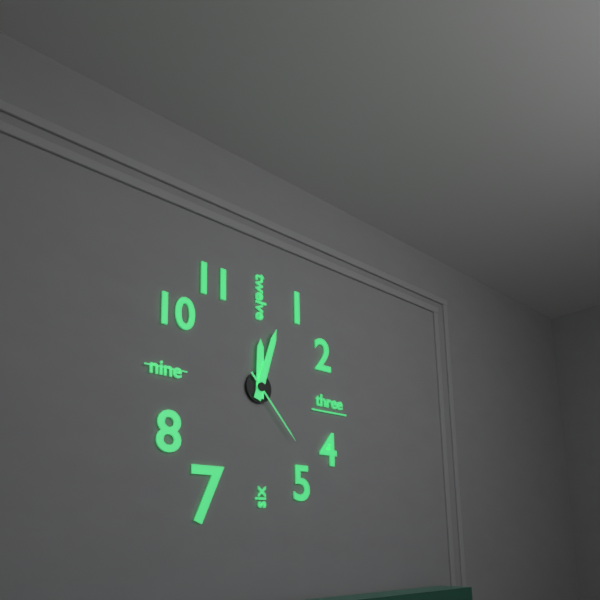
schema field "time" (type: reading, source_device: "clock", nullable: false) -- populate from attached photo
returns 12:03:23
